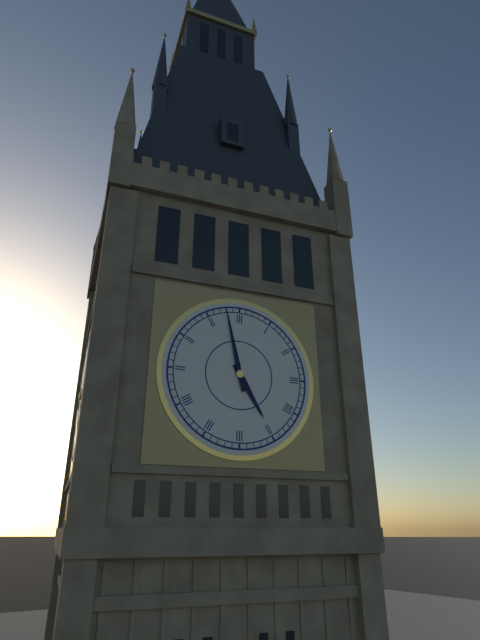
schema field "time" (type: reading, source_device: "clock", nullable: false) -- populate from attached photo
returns 4:58
